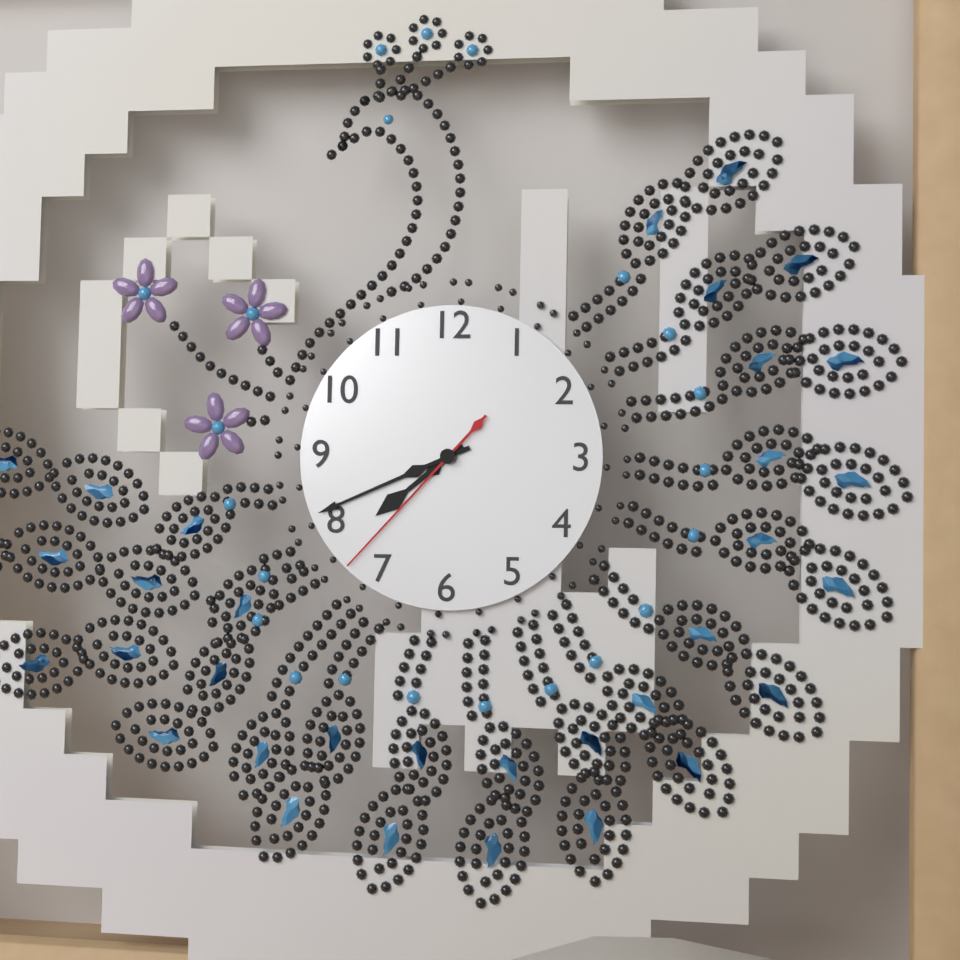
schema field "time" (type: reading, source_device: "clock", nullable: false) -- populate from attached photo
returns 7:41:37
